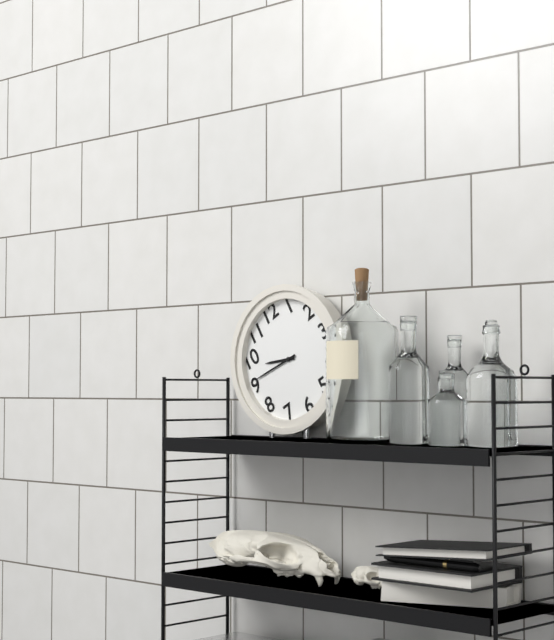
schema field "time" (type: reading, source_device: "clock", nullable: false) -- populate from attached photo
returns 9:46
